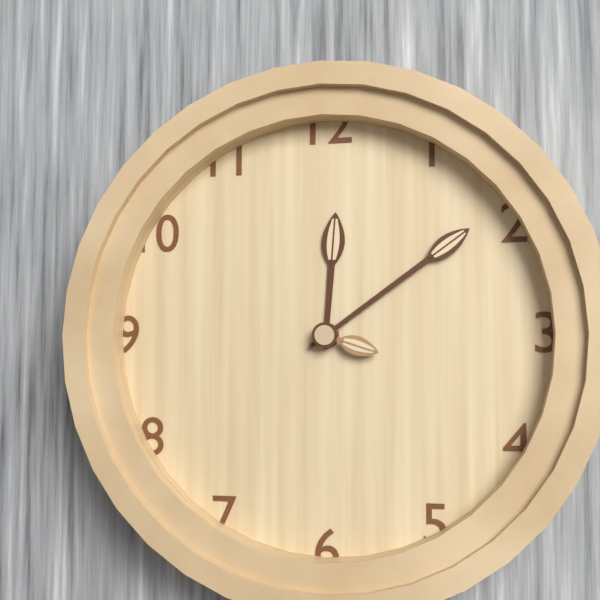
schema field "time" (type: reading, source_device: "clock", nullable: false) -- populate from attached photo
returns 12:09:18
